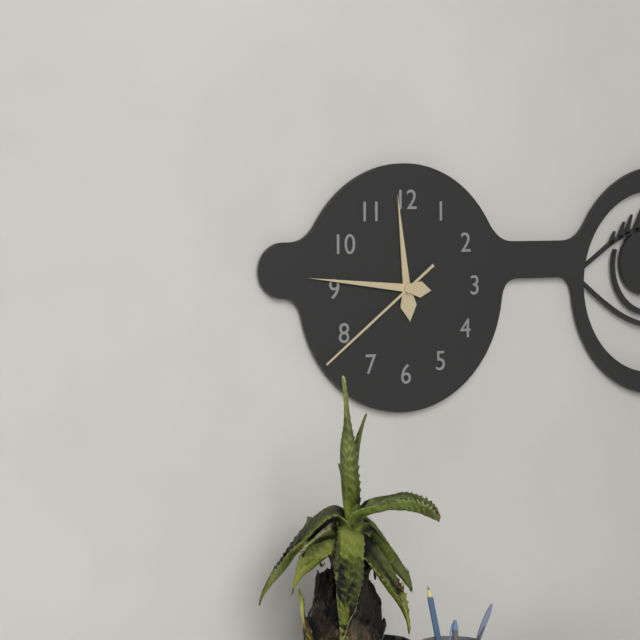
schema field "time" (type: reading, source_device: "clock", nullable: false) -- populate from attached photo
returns 11:46:39
